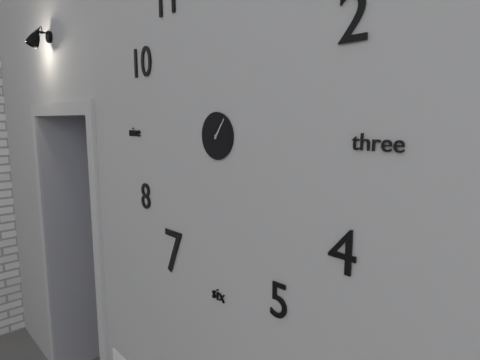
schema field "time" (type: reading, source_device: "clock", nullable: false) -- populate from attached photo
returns 1:06
